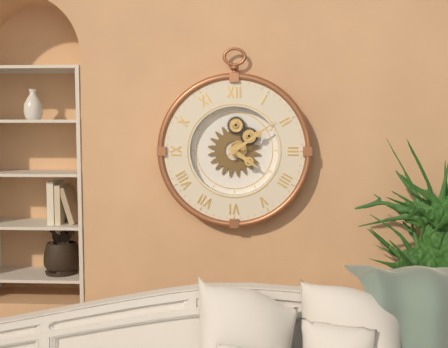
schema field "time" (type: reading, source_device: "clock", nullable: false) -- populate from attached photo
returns 4:09
